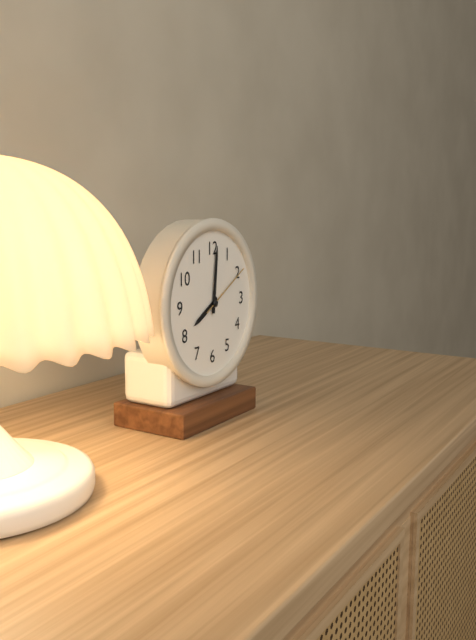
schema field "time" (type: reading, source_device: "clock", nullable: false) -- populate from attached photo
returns 8:01:10
